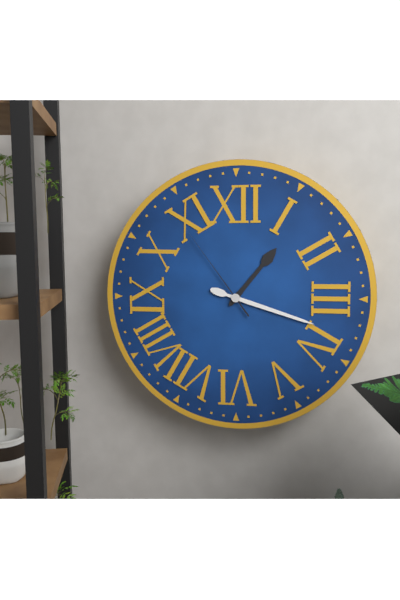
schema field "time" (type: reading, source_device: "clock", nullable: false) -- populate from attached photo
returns 1:18:54
